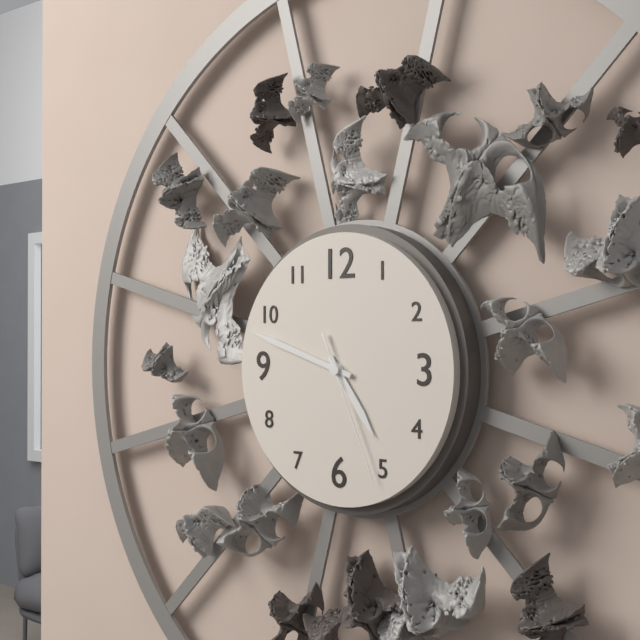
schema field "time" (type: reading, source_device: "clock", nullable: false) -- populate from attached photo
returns 4:48:26
